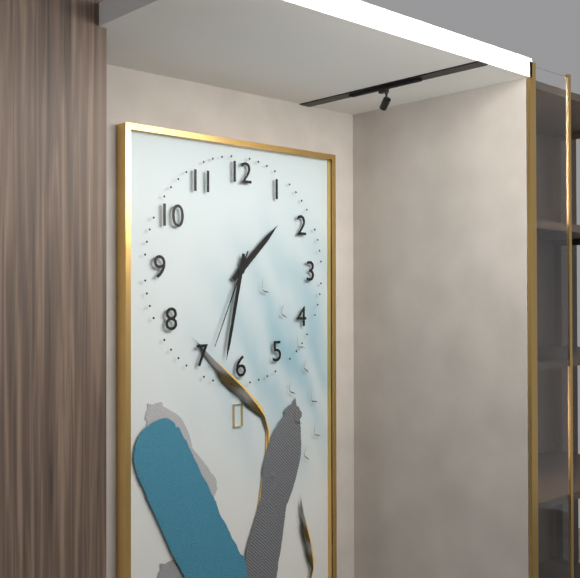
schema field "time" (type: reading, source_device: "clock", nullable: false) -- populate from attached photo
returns 1:32:34
